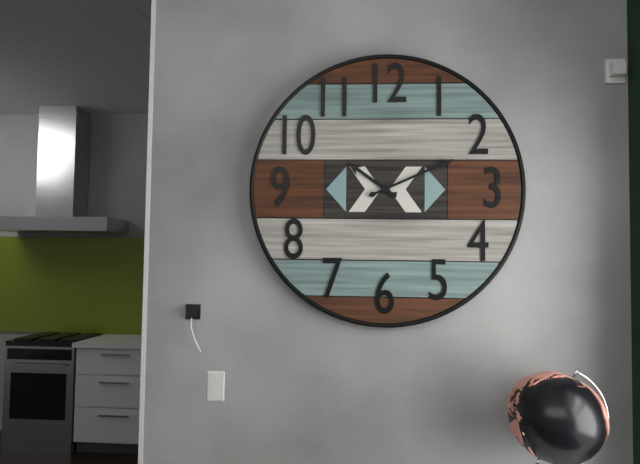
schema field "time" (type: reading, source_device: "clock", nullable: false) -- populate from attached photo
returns 10:11
